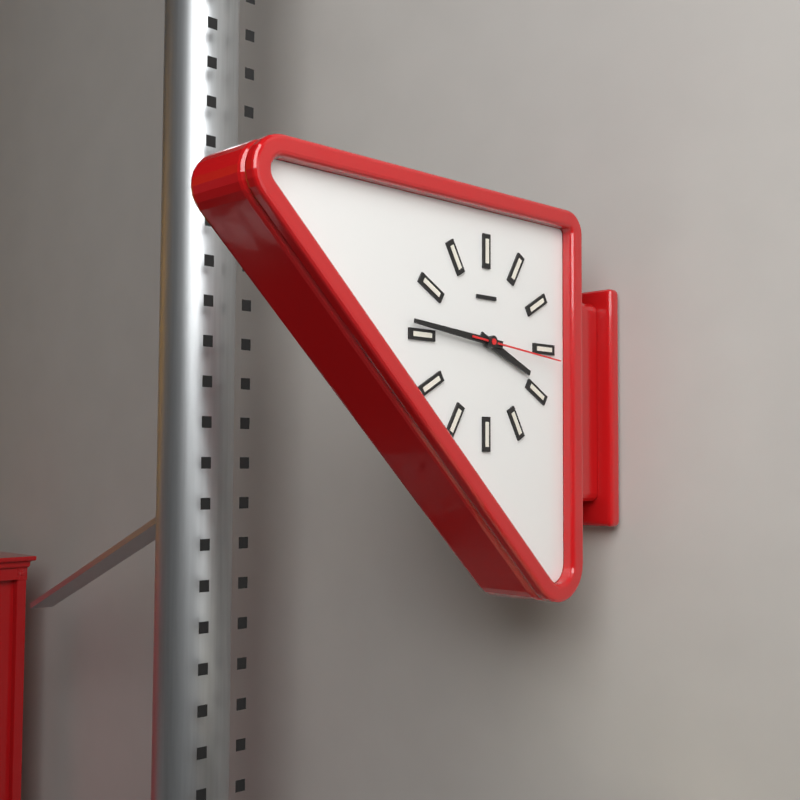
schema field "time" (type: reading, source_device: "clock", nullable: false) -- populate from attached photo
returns 3:46:16
